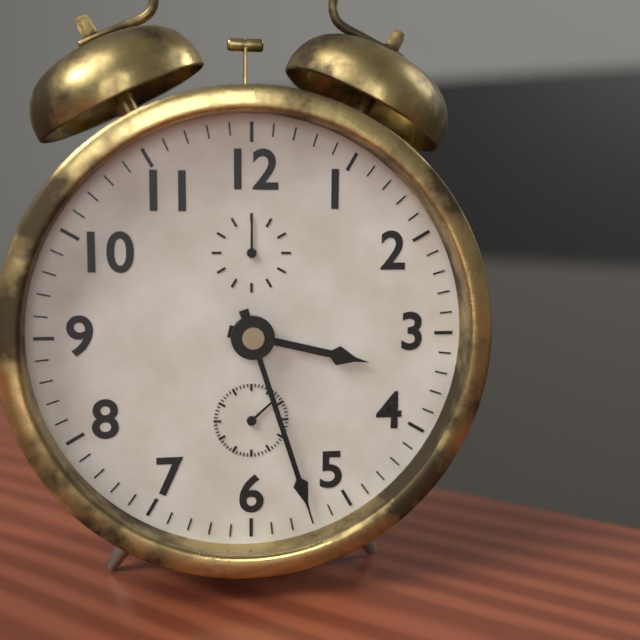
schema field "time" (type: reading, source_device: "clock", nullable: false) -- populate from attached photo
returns 3:27
